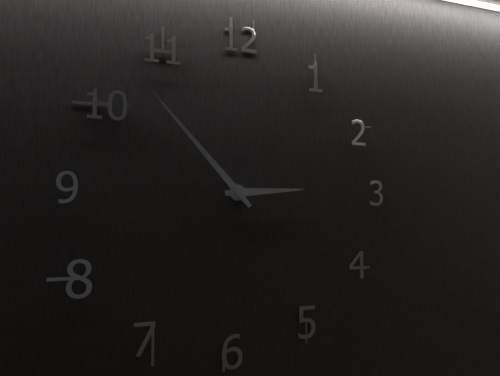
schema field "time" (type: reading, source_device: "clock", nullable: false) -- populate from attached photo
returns 2:53
